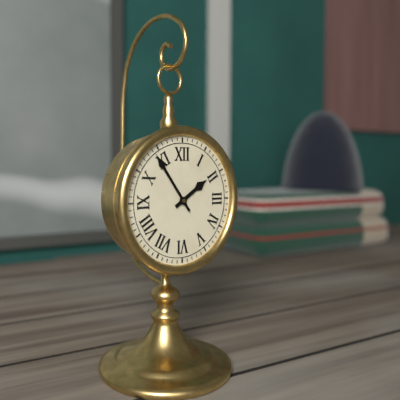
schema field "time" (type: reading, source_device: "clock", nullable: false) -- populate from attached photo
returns 1:54
